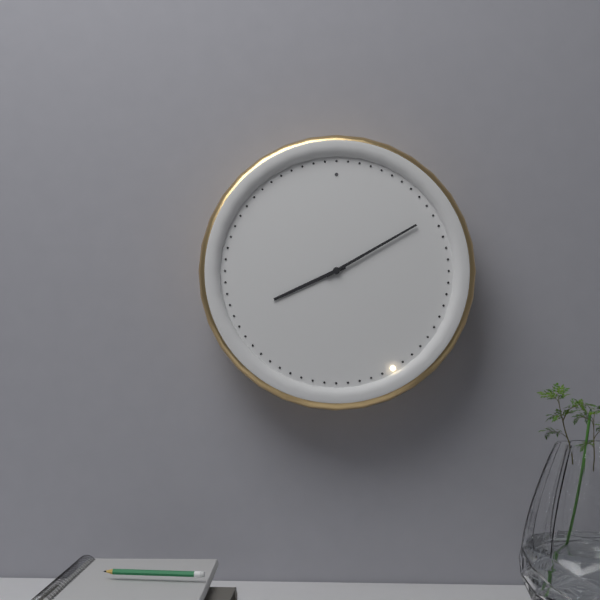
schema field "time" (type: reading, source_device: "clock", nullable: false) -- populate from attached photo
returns 8:10
